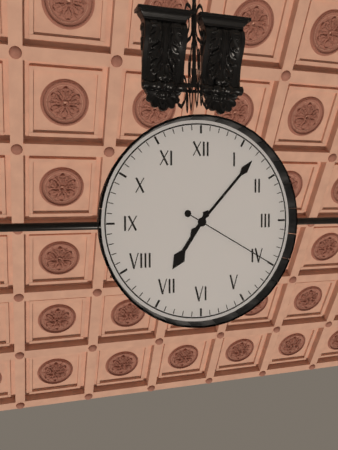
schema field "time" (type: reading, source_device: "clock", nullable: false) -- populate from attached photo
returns 7:07:20
